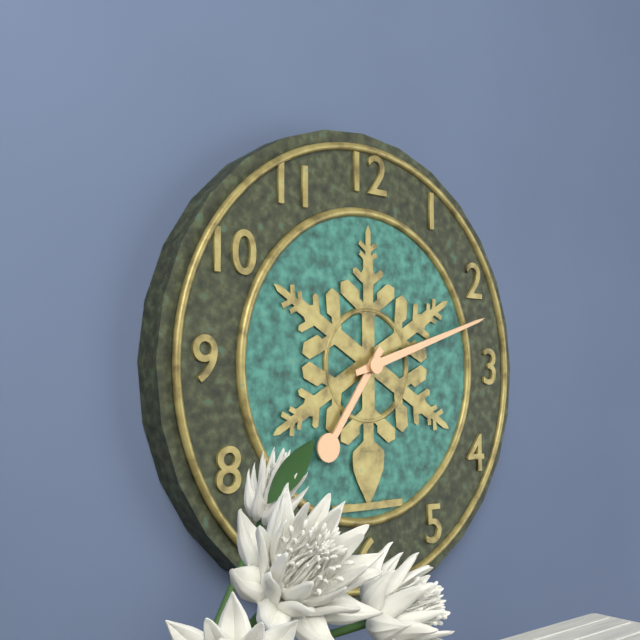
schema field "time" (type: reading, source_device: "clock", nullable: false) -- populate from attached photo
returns 7:12
